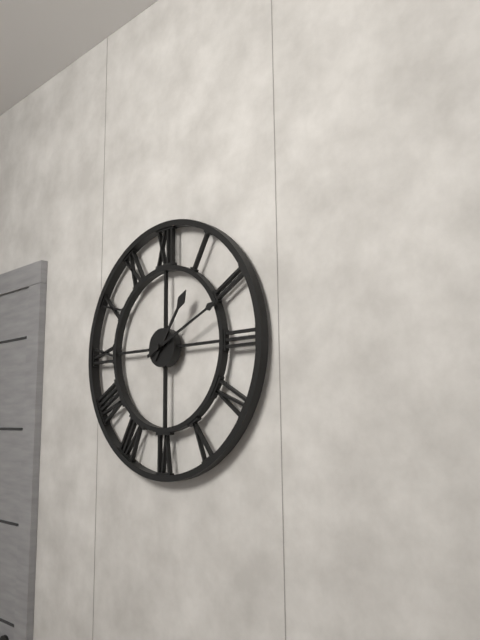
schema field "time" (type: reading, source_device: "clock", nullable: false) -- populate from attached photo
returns 1:11
